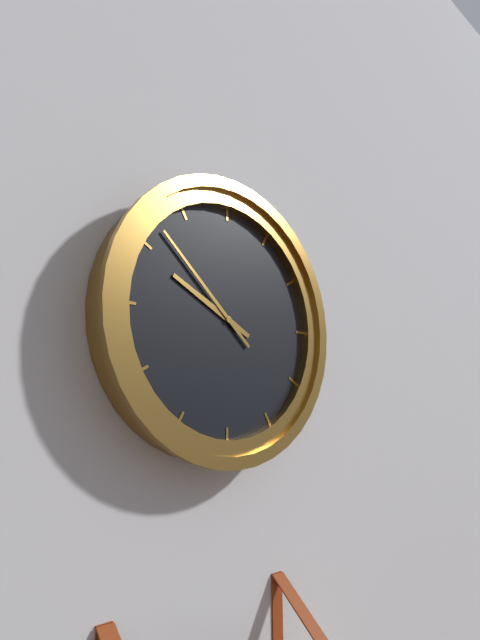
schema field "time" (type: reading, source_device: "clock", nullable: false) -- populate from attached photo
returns 9:52
